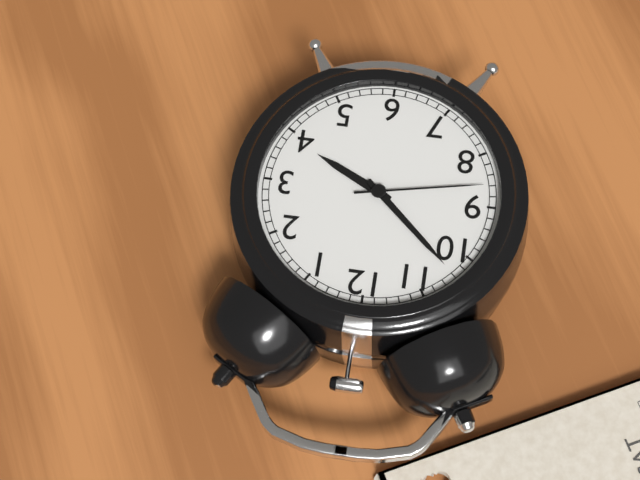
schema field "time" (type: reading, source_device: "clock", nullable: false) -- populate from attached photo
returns 3:52:43
